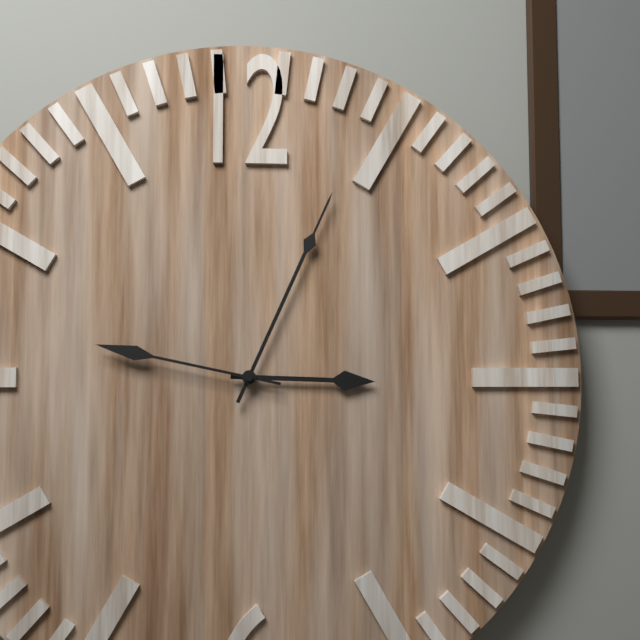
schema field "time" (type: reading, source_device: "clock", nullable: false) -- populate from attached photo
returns 3:04:47
